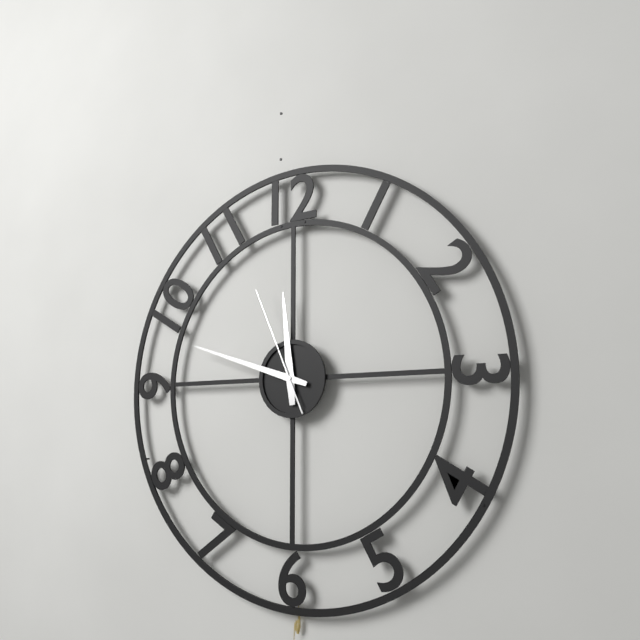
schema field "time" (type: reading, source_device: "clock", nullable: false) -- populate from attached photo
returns 11:48:56
